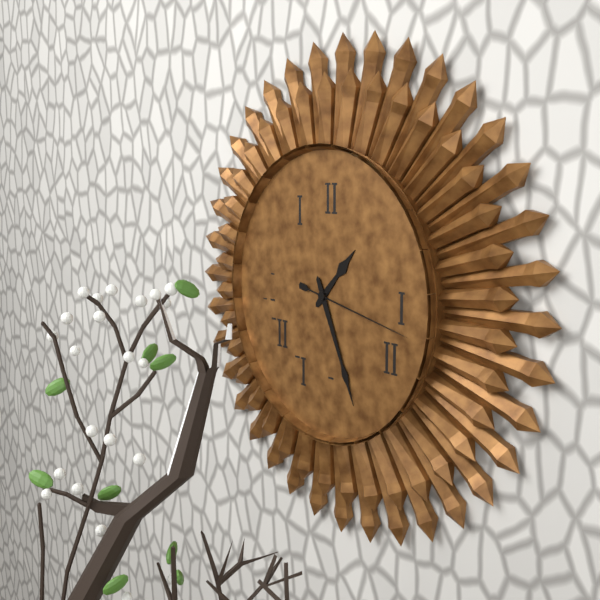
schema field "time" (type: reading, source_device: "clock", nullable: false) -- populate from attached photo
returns 1:26:17
